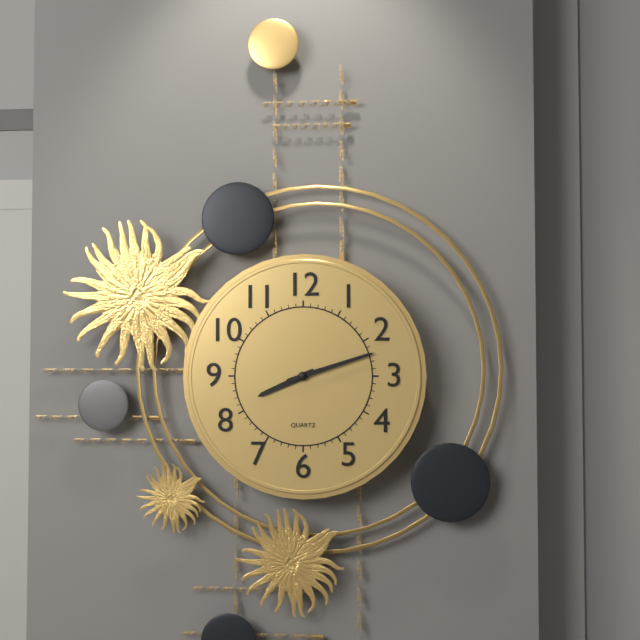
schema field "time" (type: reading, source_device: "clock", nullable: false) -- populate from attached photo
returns 8:12
